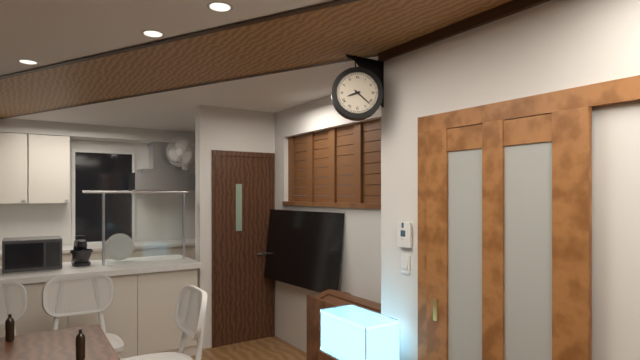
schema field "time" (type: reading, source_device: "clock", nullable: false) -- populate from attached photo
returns 8:22
